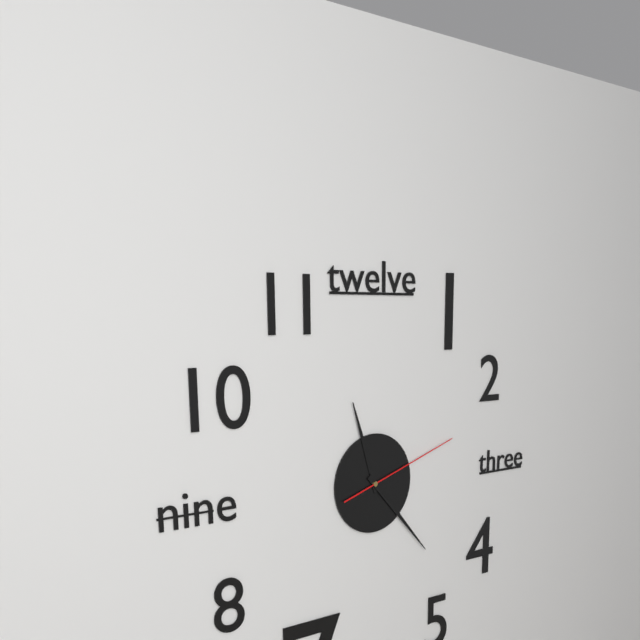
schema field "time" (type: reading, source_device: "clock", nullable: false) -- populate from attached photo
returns 11:23:12
